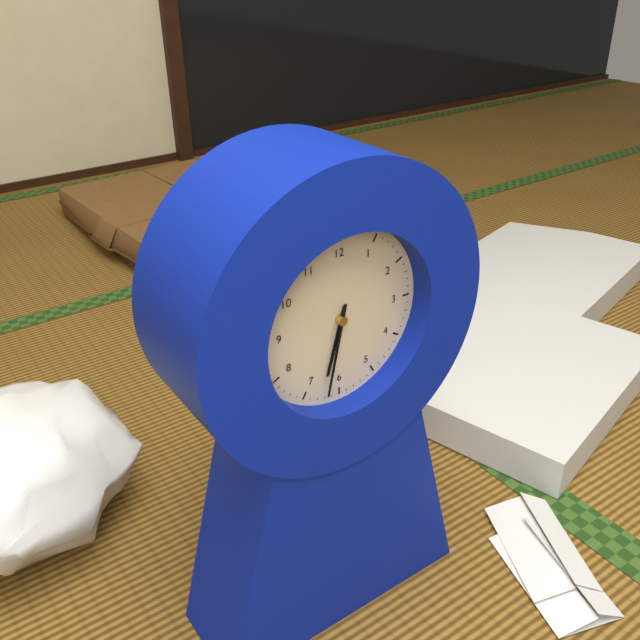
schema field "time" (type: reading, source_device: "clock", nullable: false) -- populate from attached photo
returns 6:32
